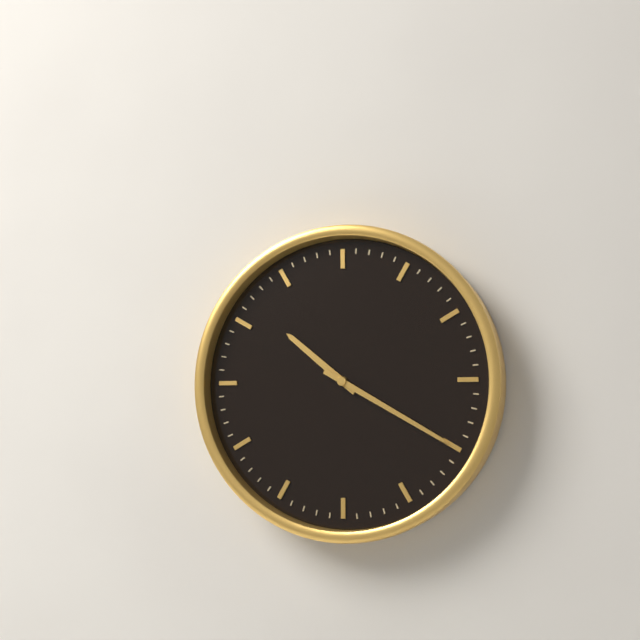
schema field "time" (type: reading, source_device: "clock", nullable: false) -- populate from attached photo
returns 10:20
